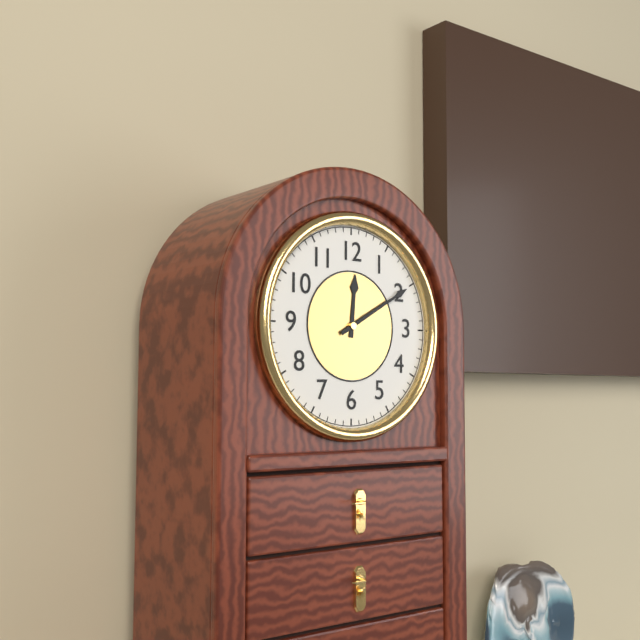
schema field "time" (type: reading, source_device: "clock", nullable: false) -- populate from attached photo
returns 12:10
